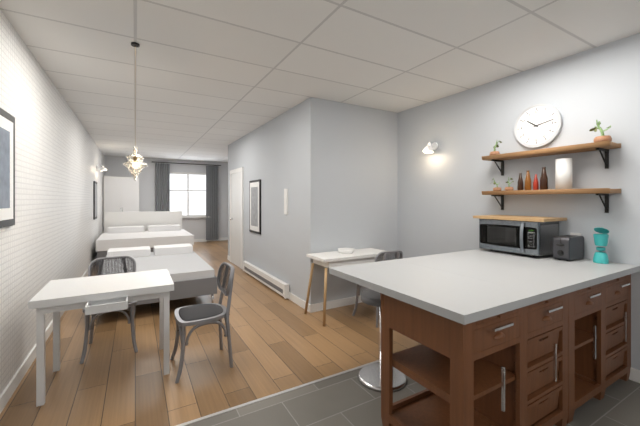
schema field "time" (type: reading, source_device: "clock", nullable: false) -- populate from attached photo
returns 10:13
